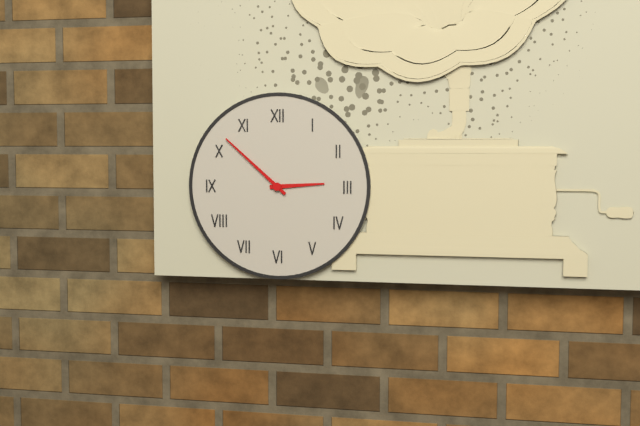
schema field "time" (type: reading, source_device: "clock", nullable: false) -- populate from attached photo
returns 2:52
